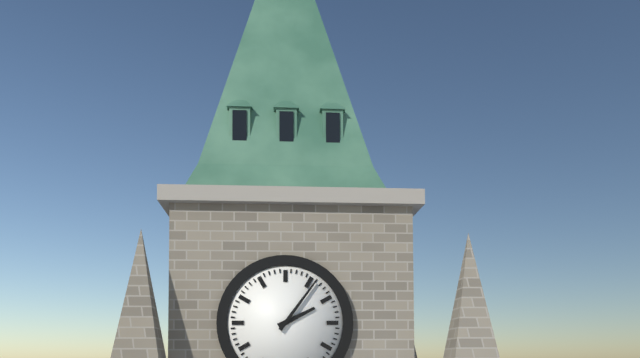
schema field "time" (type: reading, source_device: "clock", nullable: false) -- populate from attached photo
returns 2:06
